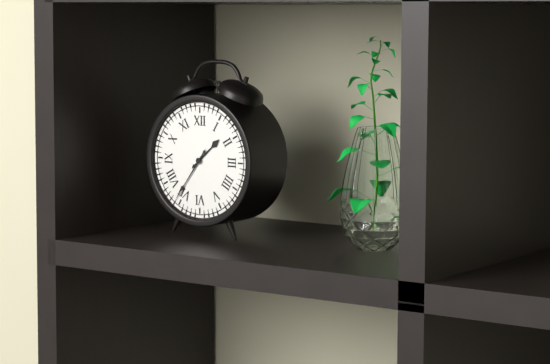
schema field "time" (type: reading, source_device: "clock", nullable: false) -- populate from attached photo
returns 1:36
